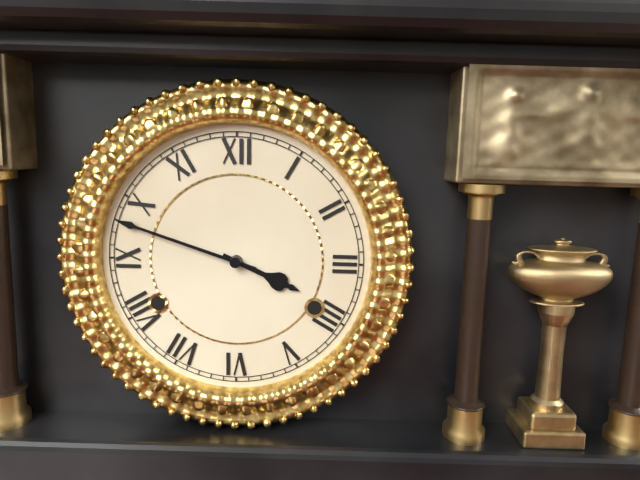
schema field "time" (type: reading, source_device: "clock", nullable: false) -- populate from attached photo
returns 3:48
